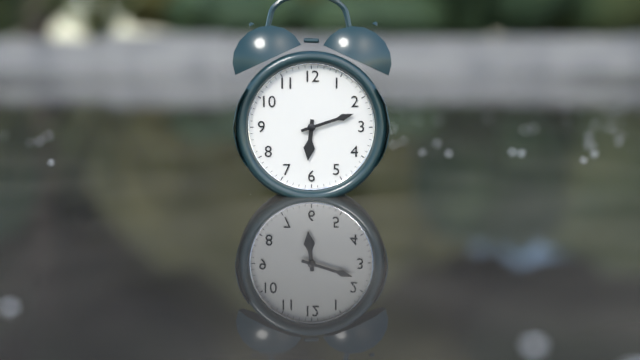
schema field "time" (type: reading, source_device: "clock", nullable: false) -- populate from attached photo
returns 6:12
